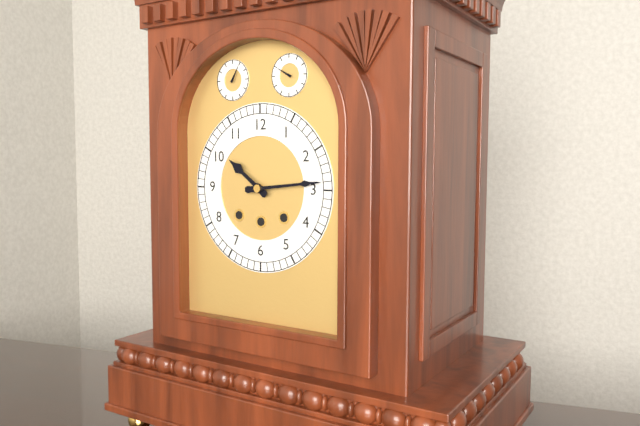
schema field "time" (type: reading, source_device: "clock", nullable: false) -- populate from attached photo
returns 10:14
